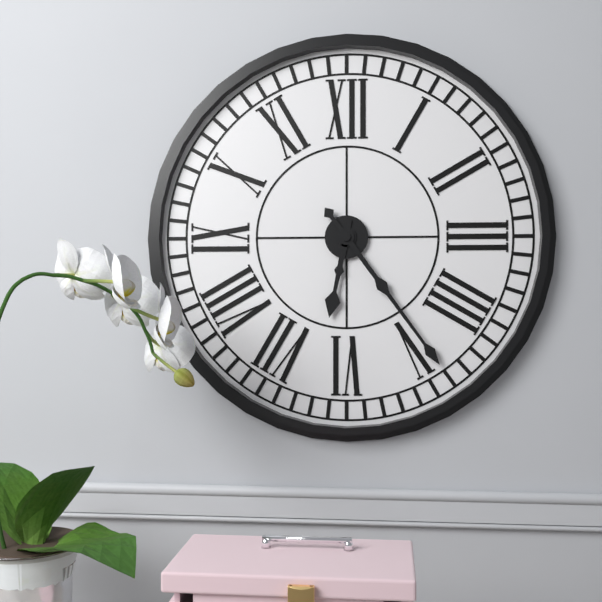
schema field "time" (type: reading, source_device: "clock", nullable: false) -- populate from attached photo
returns 6:24
